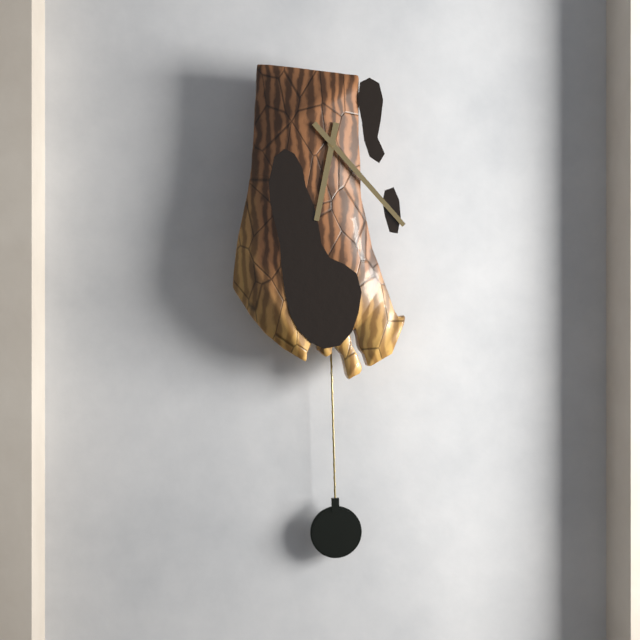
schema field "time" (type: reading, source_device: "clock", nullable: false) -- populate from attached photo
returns 6:23
